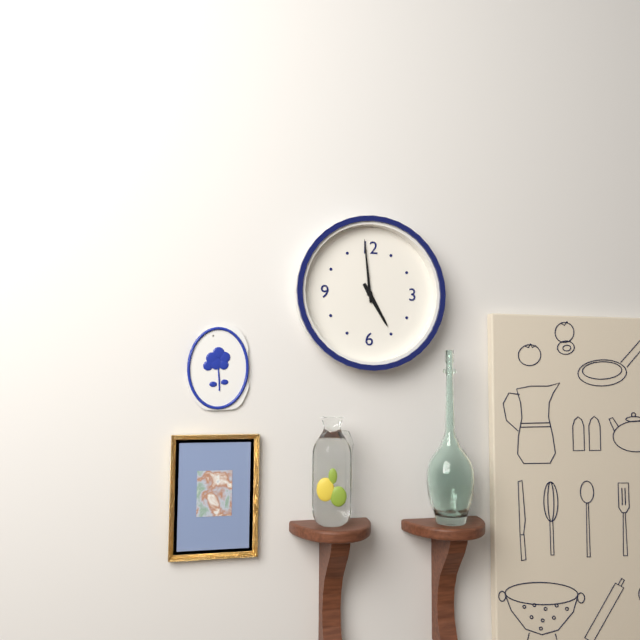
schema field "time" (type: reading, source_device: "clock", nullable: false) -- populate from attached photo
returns 4:59
